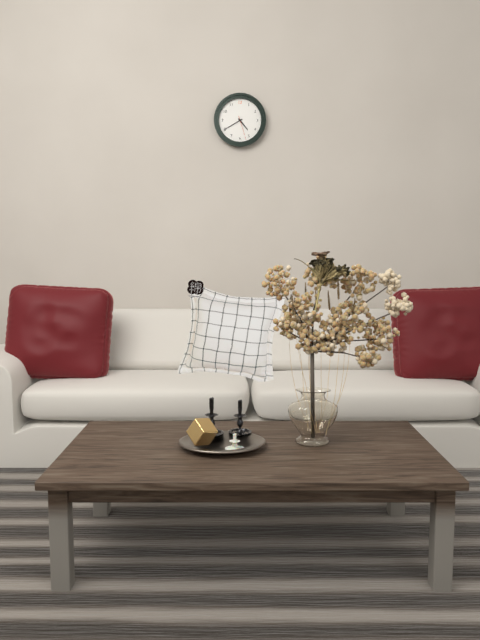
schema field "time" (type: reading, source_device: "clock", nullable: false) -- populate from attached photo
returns 4:40
